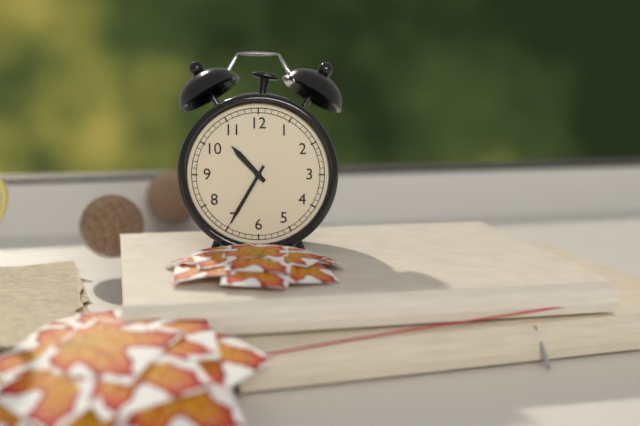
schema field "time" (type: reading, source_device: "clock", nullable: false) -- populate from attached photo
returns 10:35
